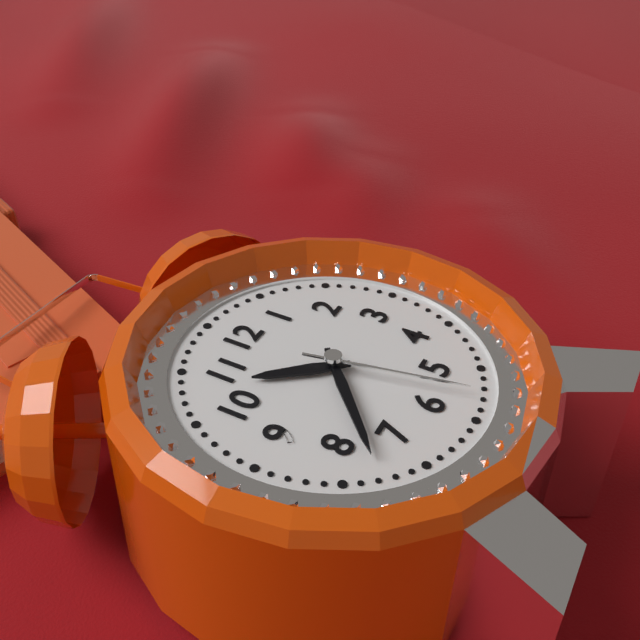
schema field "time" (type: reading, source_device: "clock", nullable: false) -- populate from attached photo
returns 10:38:28
